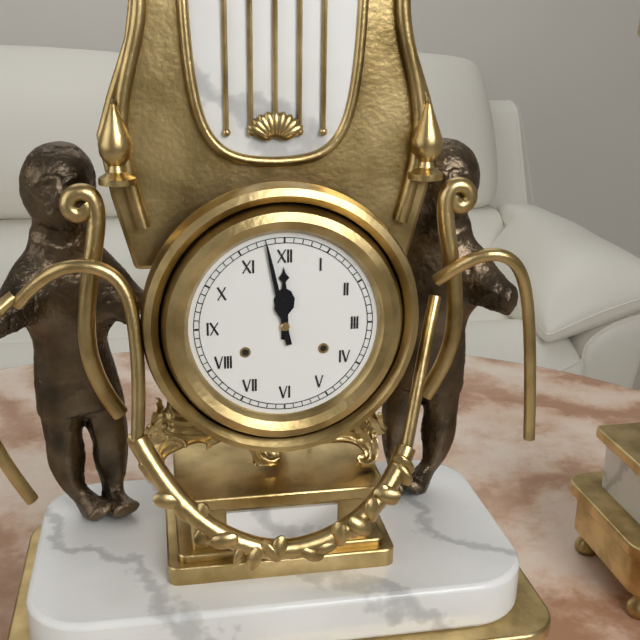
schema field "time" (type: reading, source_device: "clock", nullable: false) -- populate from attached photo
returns 11:58
